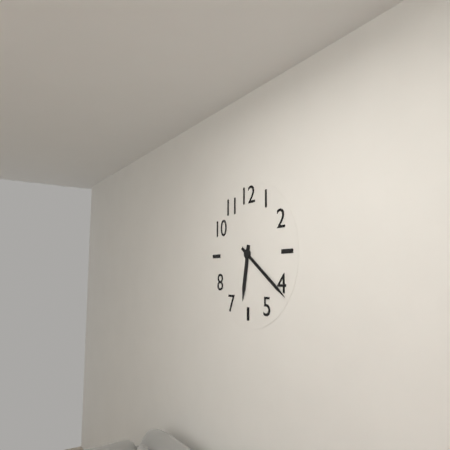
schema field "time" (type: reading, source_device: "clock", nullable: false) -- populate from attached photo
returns 6:21
